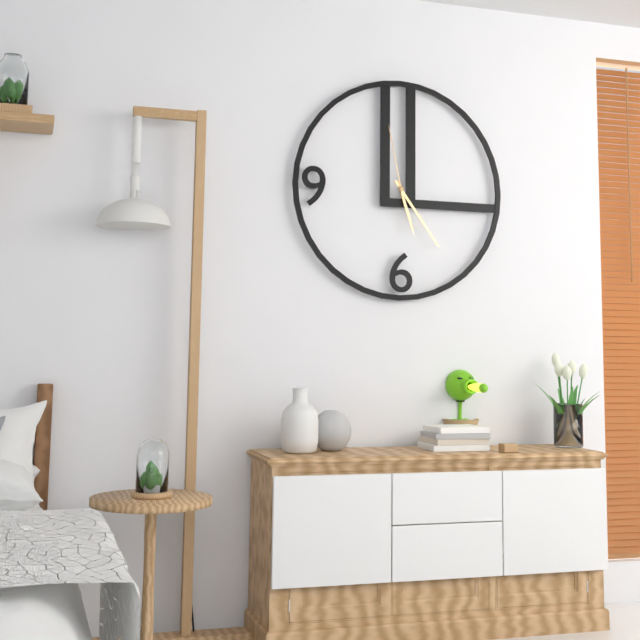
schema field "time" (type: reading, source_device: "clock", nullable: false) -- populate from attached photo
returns 5:24:58
